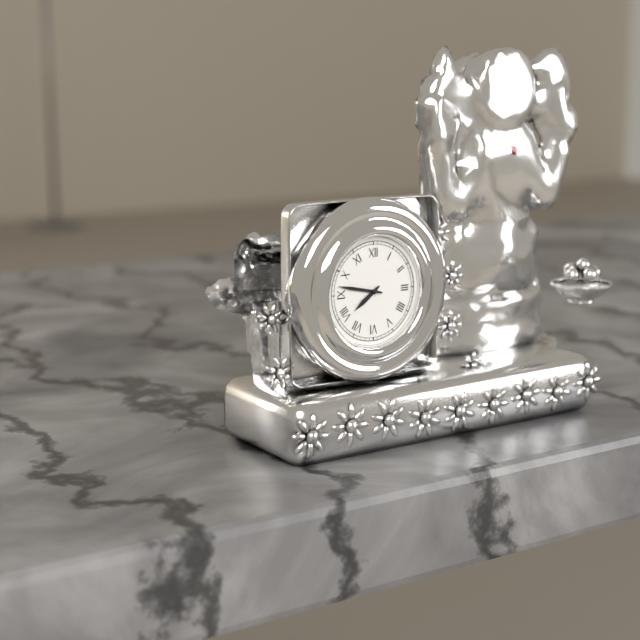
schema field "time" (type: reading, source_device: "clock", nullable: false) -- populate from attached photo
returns 7:47
